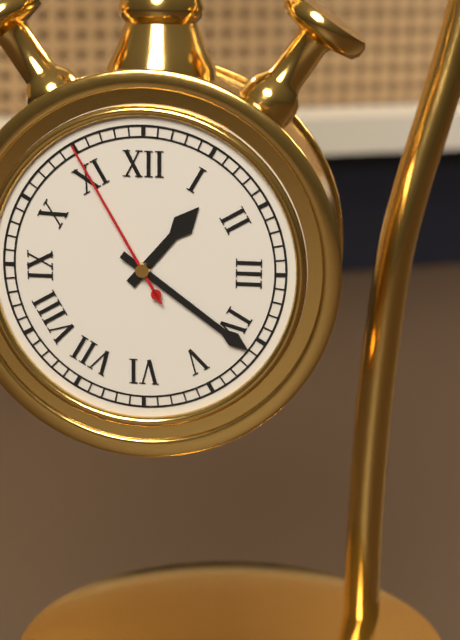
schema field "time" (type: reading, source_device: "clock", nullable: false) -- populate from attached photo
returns 1:21:55
